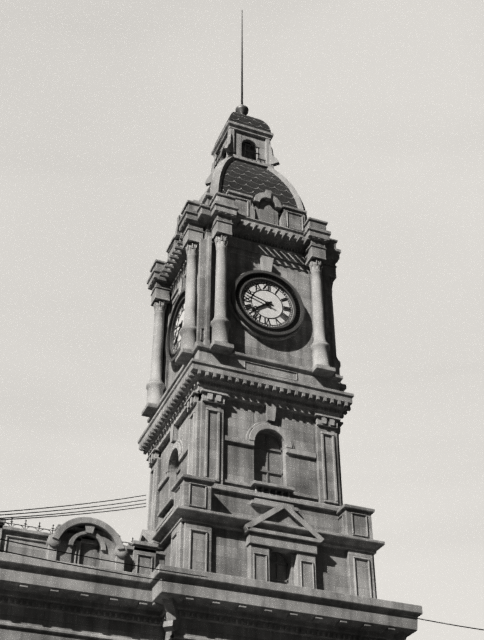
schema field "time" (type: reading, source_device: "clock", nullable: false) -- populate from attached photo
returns 7:48
